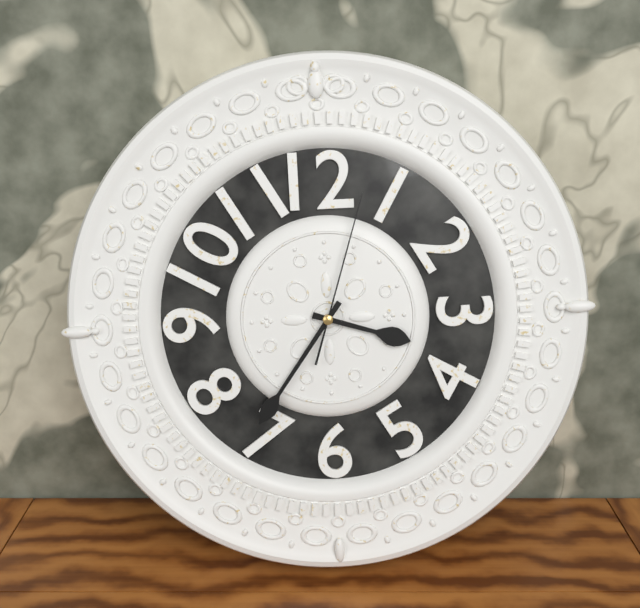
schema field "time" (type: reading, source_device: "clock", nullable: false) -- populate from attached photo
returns 3:36:03
